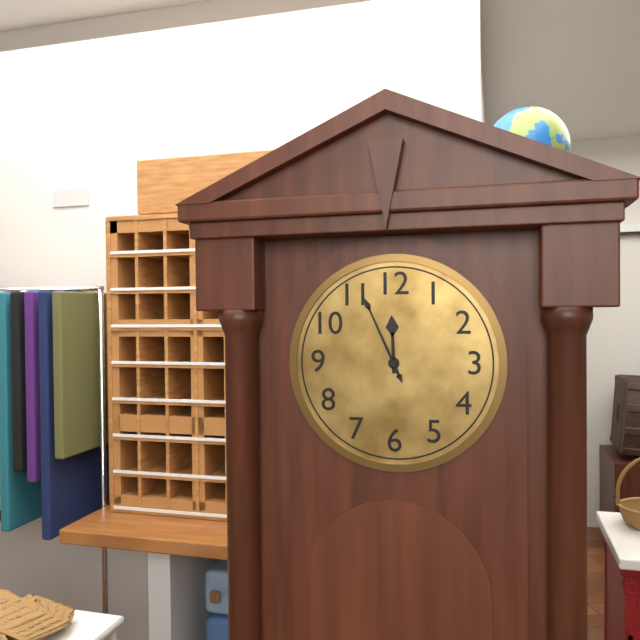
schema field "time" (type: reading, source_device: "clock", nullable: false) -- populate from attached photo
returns 11:56
